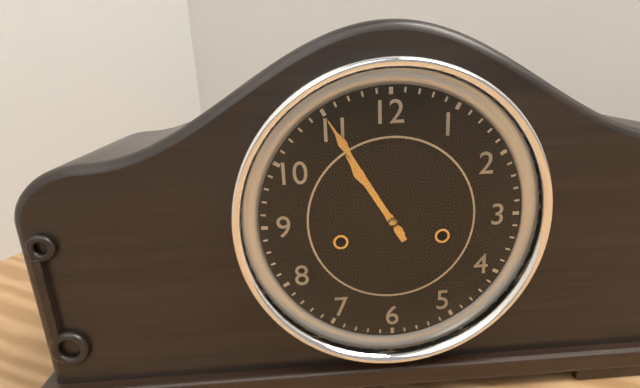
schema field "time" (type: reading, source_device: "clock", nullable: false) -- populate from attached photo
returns 10:55
